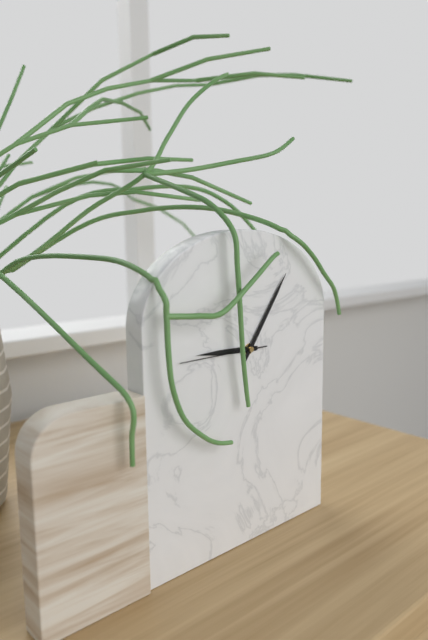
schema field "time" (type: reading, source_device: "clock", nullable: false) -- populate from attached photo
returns 9:06:45
